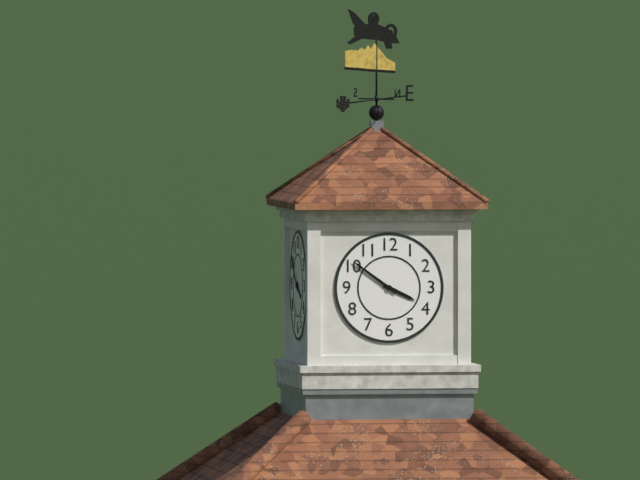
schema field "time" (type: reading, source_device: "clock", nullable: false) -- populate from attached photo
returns 3:51
